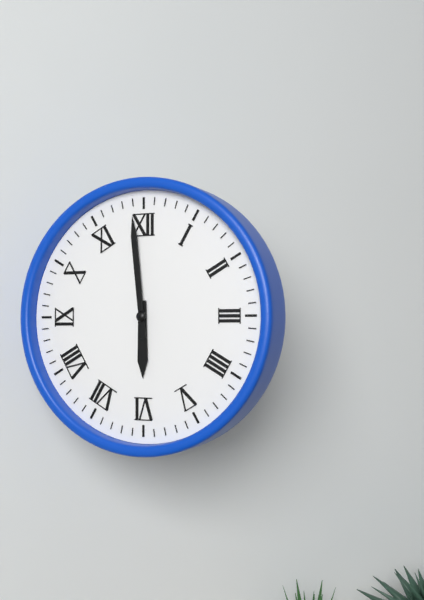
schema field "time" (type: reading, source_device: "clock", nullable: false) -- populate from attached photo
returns 5:59
